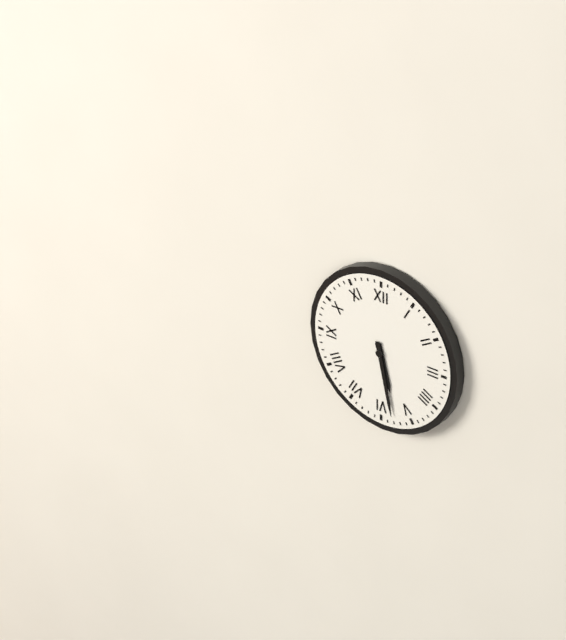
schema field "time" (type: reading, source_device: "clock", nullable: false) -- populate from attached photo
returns 5:28
